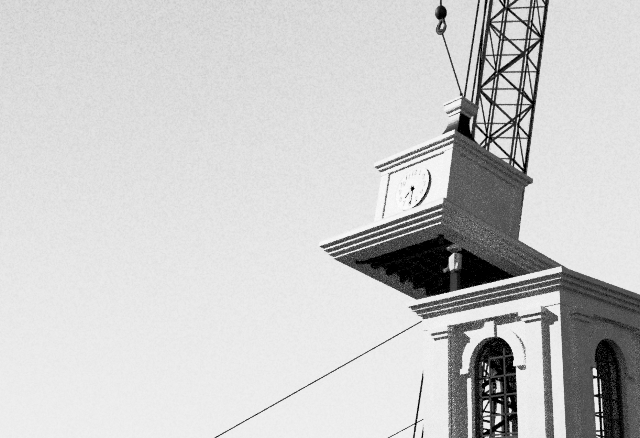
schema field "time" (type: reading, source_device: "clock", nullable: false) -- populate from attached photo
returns 7:30
